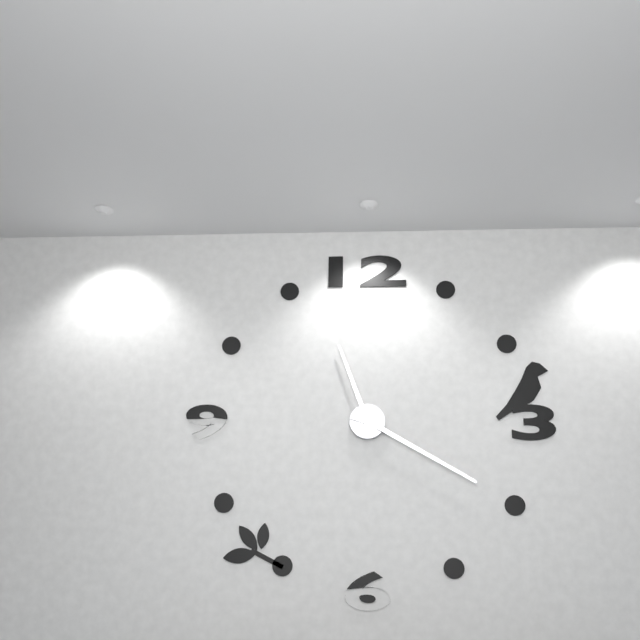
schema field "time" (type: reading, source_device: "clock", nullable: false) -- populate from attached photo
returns 11:20
